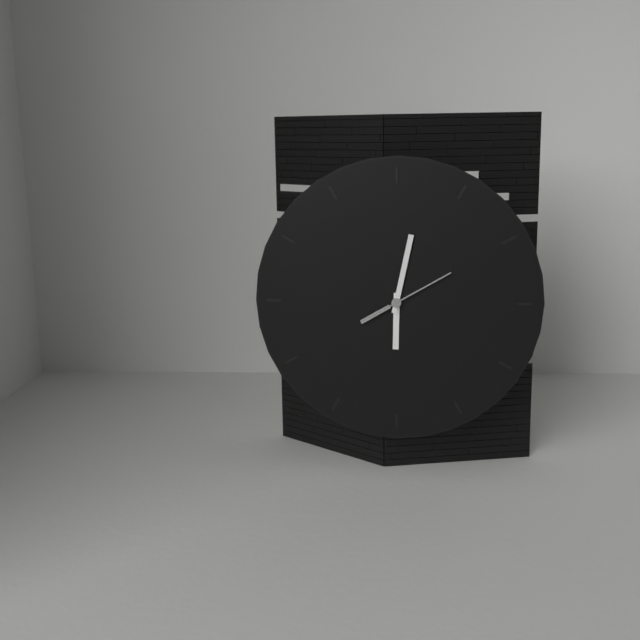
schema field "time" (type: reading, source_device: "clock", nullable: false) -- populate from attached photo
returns 6:02:10
